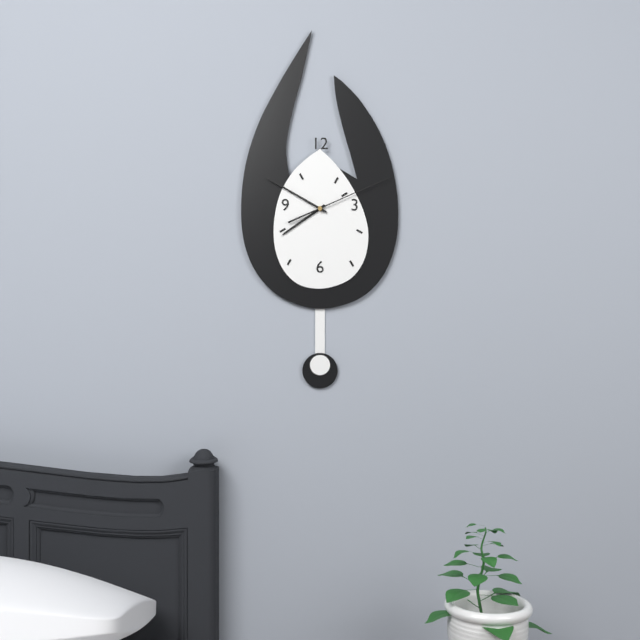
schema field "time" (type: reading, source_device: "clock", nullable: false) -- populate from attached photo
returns 7:50:11
